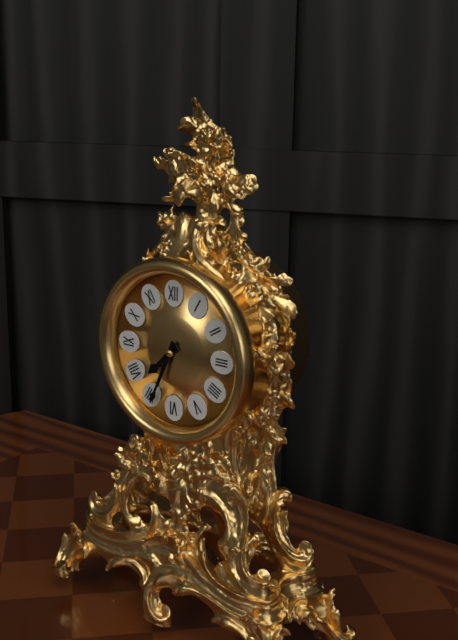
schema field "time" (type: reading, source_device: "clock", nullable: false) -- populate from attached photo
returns 7:34
